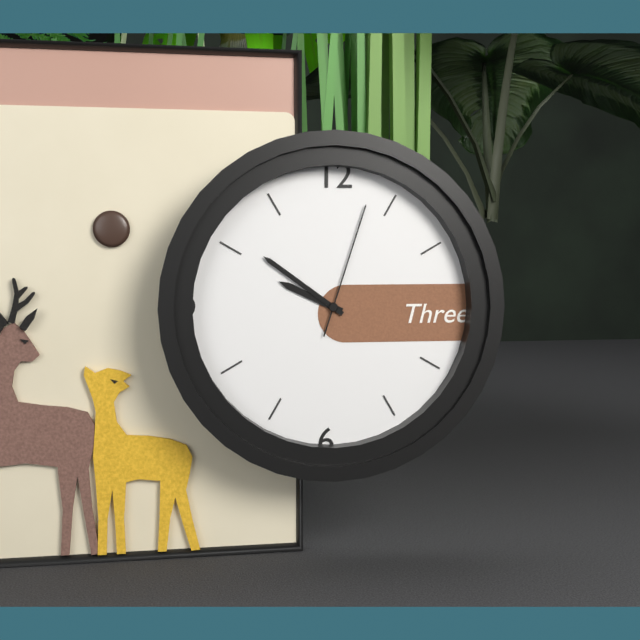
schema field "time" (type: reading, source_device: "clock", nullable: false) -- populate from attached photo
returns 9:51:03
